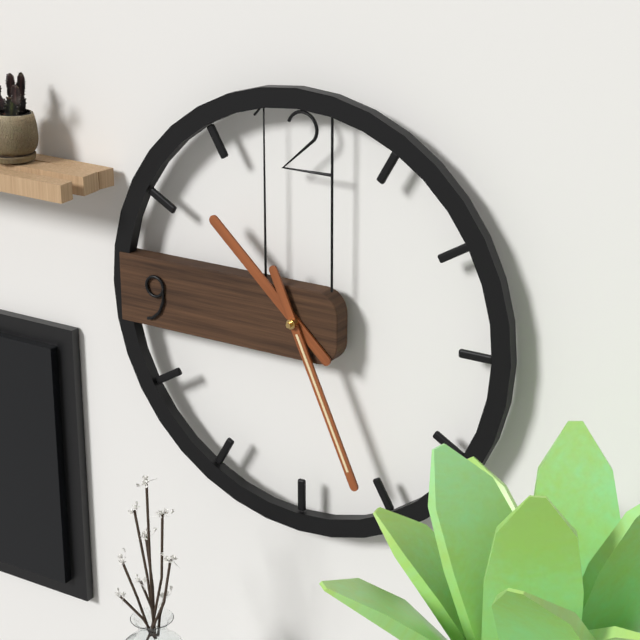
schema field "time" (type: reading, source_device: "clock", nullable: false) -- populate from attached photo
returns 10:26
